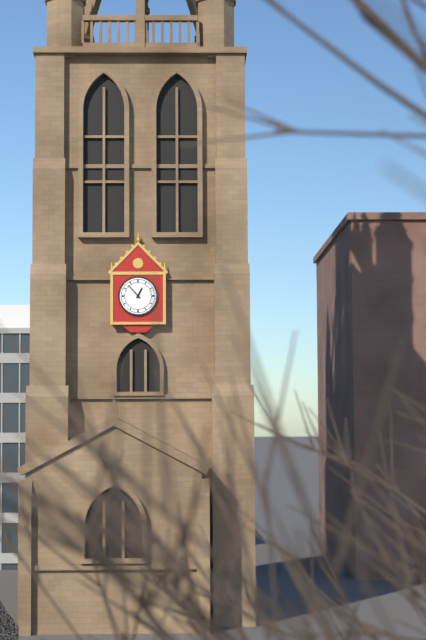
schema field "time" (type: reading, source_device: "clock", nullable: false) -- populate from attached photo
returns 12:53
